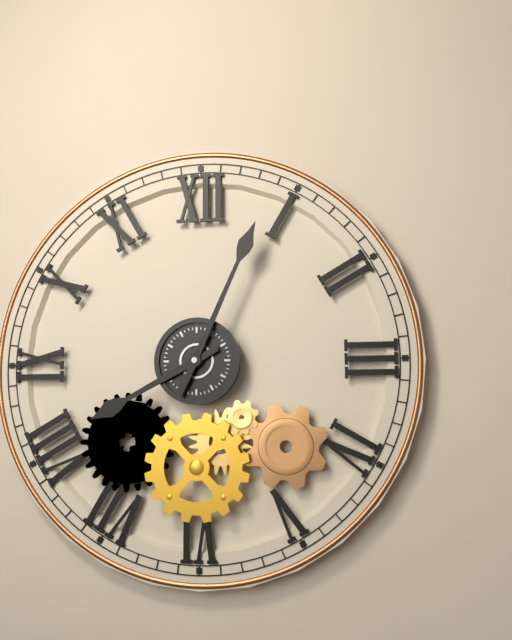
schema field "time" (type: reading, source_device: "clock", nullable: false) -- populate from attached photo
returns 8:04
